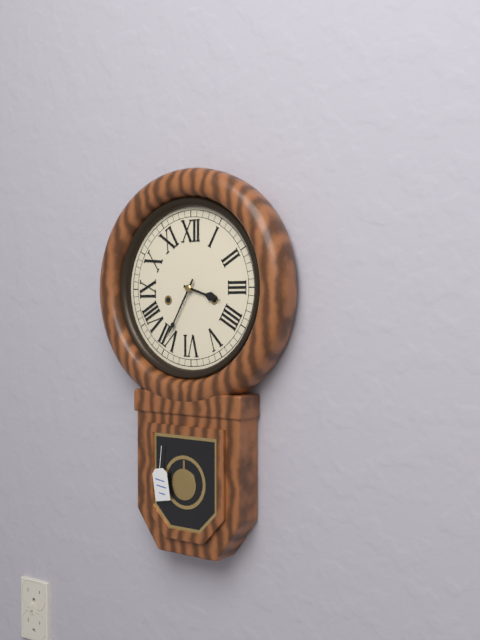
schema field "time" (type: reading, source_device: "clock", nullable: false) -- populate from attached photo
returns 3:35
